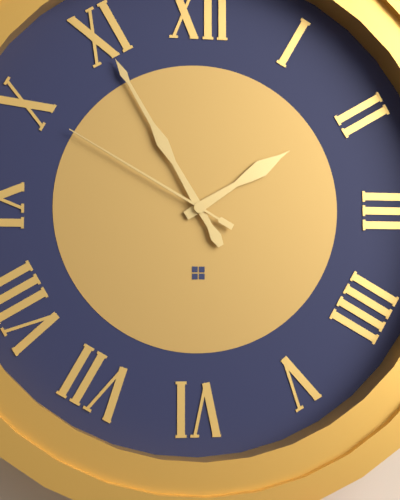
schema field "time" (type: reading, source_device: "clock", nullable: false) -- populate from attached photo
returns 1:55:50
